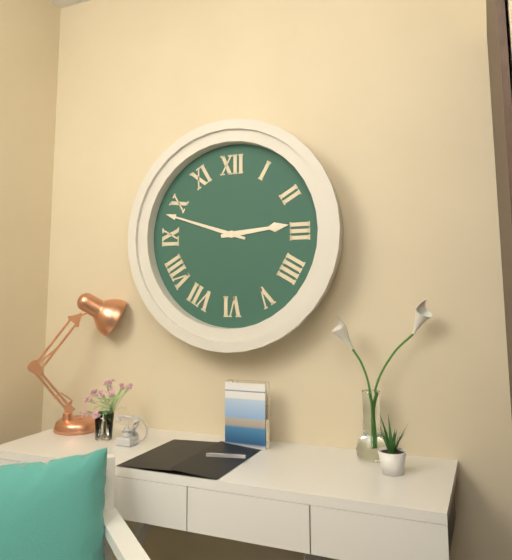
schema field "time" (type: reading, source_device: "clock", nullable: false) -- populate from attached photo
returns 2:48
